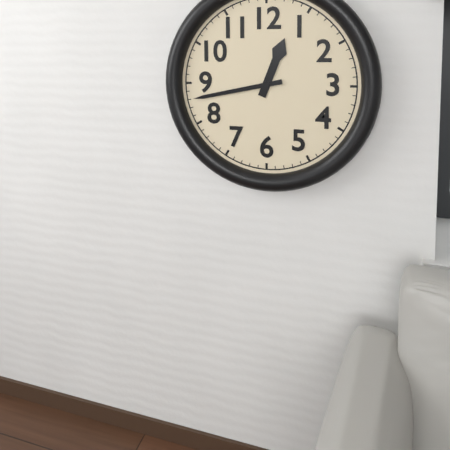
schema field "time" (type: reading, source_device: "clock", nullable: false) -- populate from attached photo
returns 12:43
